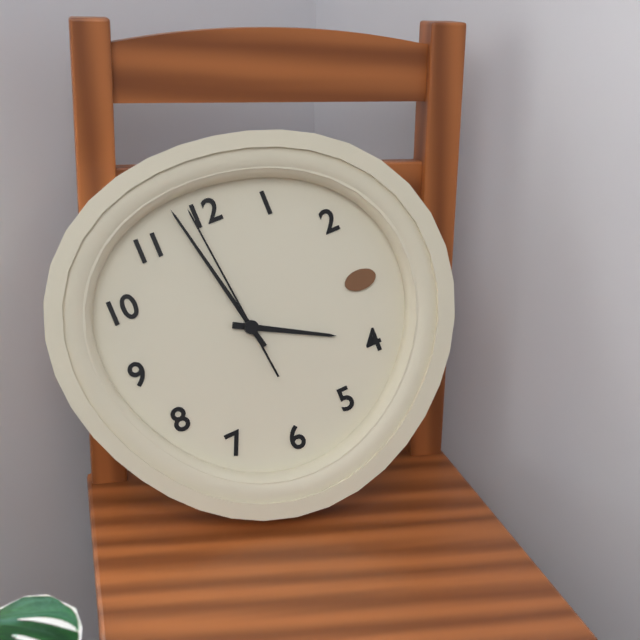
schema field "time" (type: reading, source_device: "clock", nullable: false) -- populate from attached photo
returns 3:58:59
